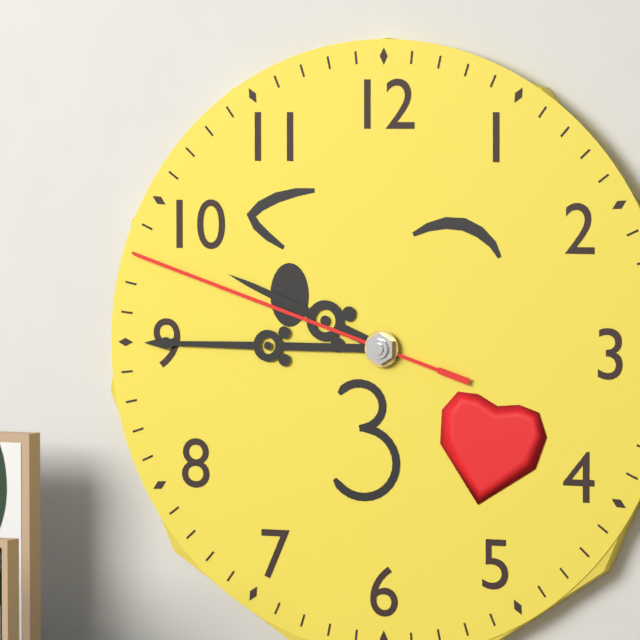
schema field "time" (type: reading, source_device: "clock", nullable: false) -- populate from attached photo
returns 9:45:48
